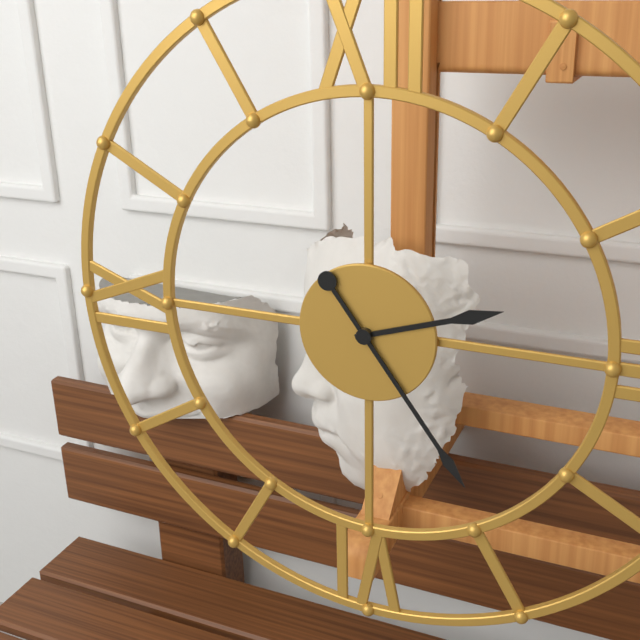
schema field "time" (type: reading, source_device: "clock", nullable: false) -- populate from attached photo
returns 2:24
